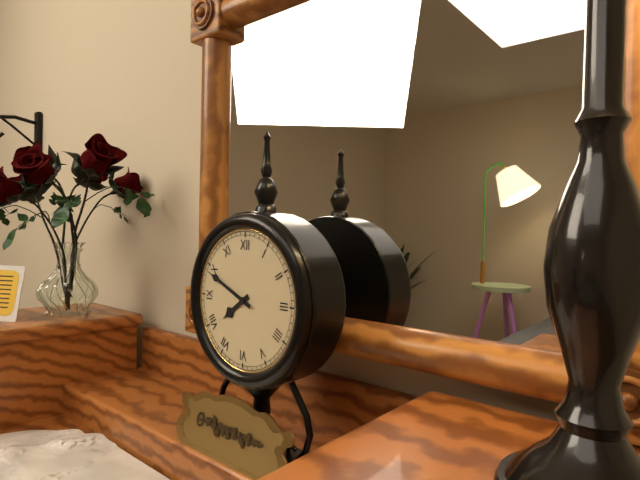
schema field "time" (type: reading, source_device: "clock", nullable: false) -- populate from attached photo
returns 7:49
